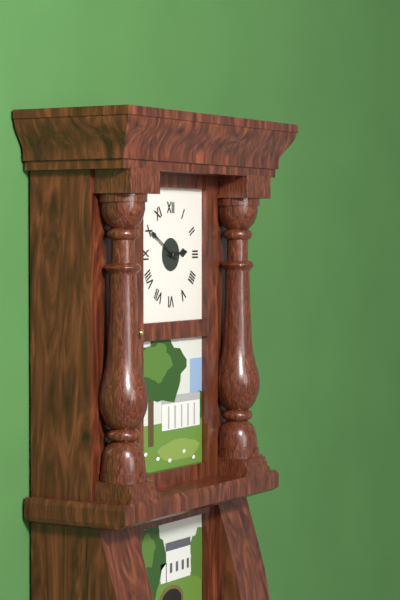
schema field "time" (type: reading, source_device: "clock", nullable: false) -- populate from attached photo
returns 2:50
